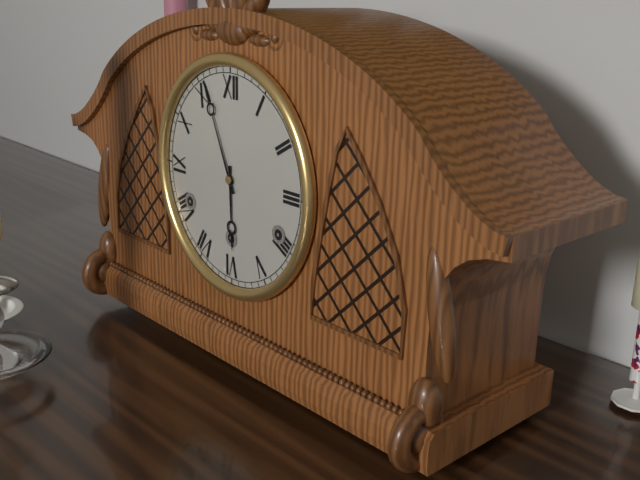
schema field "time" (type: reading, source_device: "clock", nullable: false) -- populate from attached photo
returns 5:56
